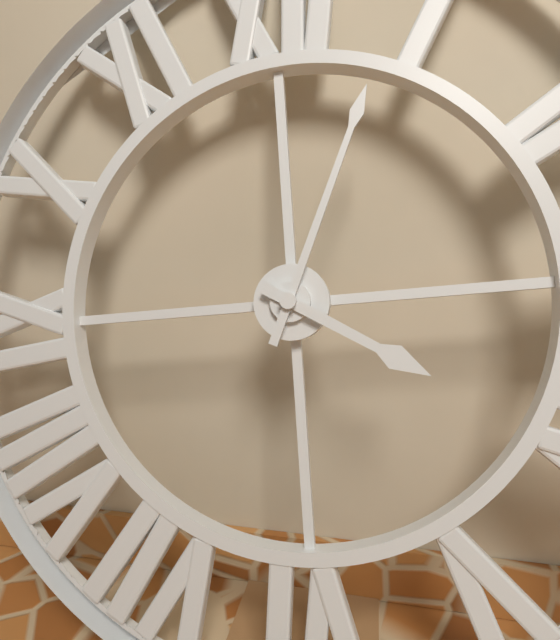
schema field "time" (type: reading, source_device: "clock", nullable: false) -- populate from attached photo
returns 4:04
